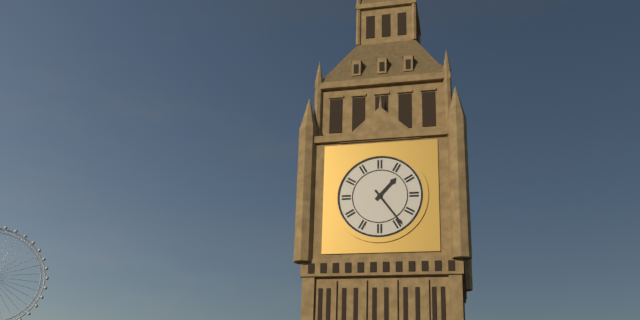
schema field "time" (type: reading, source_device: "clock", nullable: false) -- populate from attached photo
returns 1:24
